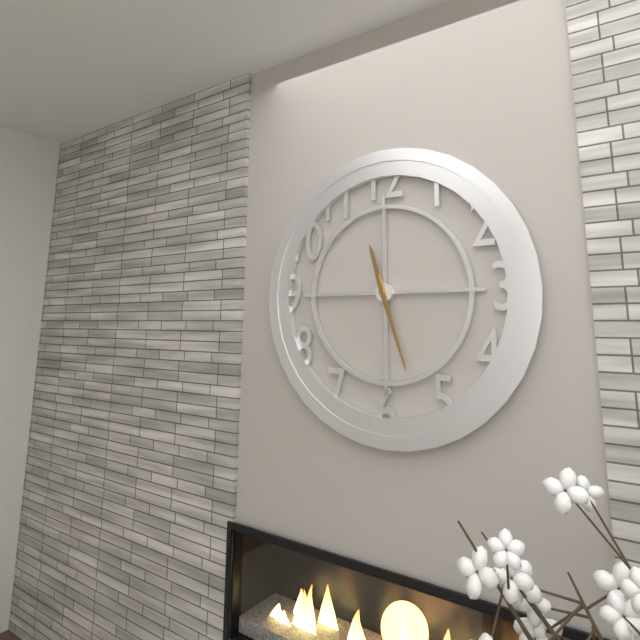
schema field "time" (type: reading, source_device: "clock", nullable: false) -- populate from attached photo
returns 11:27
